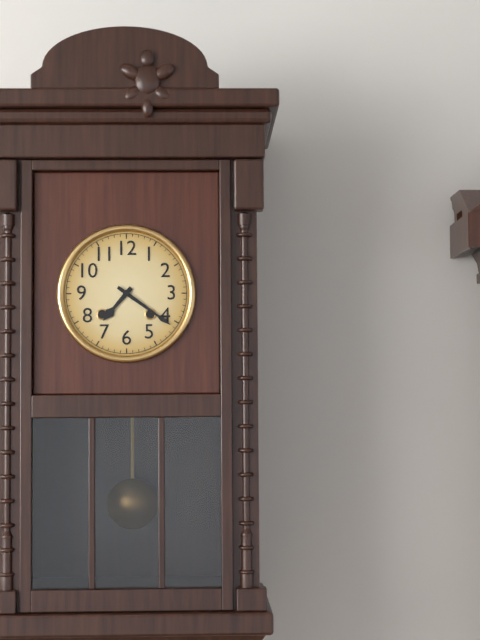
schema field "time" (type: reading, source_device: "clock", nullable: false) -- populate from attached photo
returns 7:21
